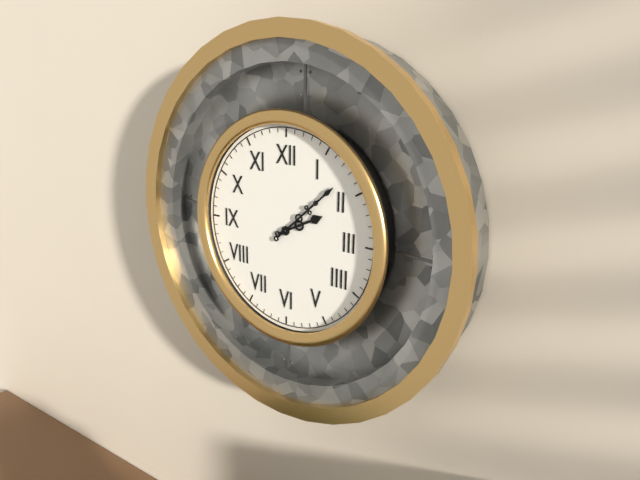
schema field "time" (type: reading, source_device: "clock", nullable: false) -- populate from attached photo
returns 2:08
